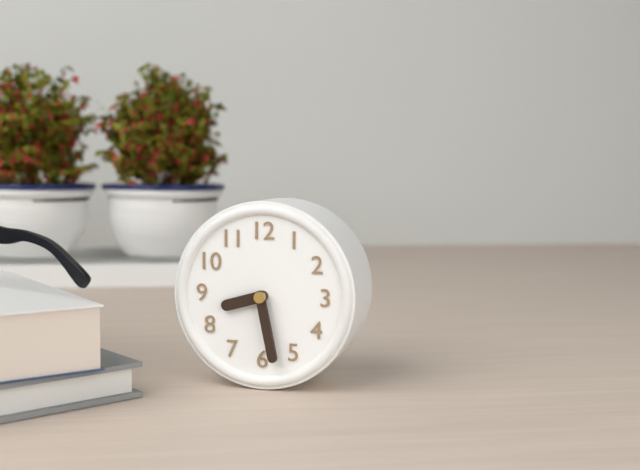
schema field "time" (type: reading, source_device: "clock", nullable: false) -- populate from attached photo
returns 8:28
